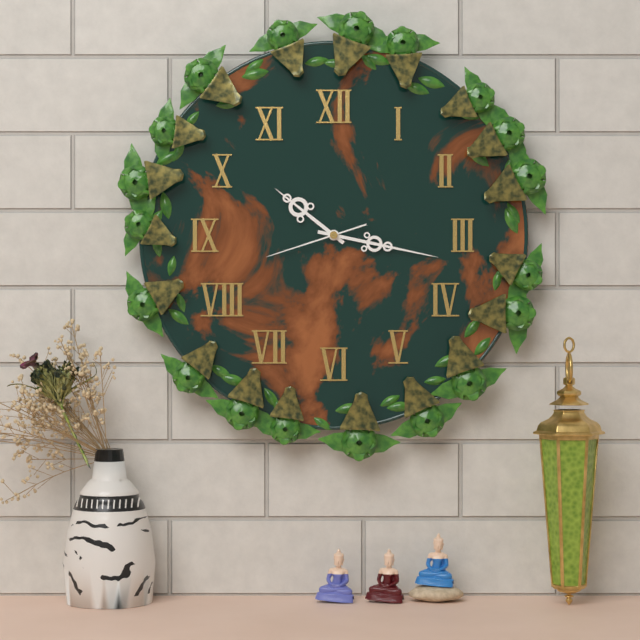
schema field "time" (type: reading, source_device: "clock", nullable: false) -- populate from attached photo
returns 10:17:42
